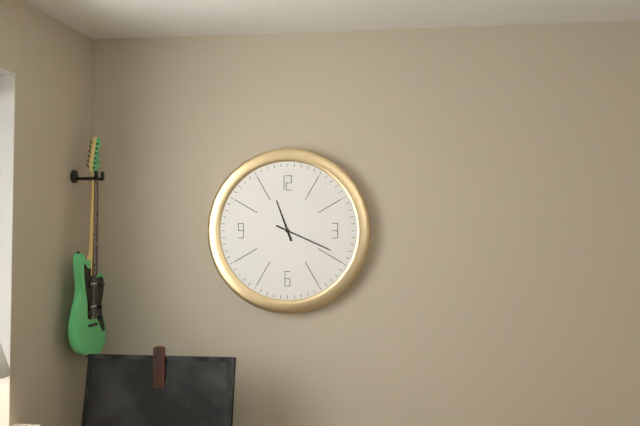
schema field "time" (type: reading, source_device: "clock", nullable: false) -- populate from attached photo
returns 11:19
